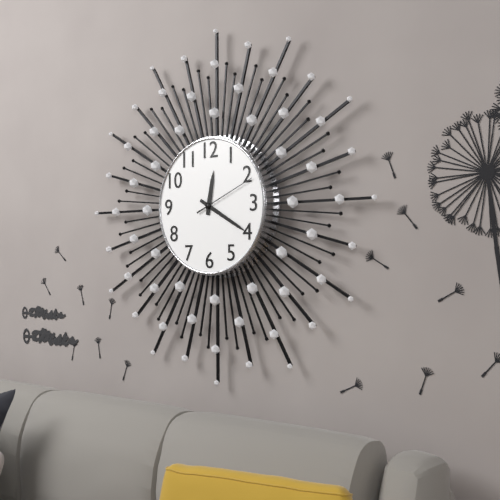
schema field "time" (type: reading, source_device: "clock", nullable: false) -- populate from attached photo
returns 12:20:11
